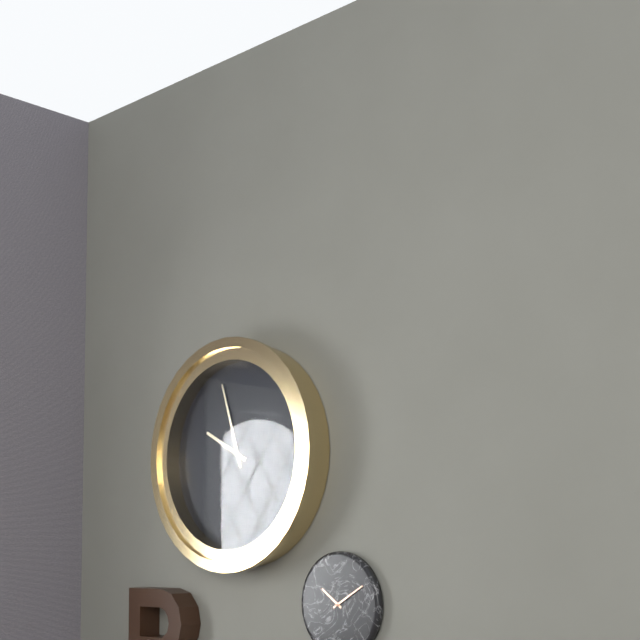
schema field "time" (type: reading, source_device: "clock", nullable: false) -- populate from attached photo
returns 9:57
